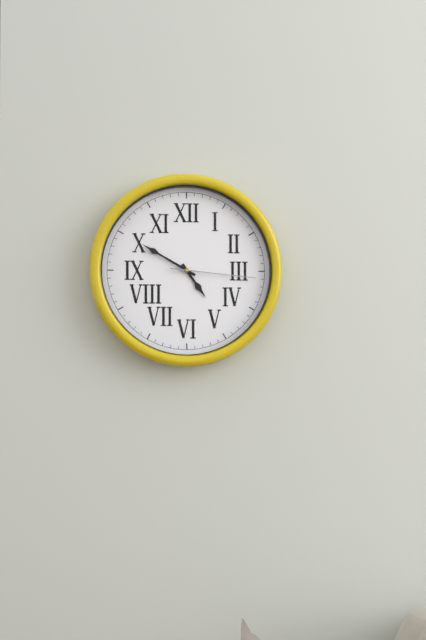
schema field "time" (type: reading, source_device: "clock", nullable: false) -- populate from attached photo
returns 4:50:16
